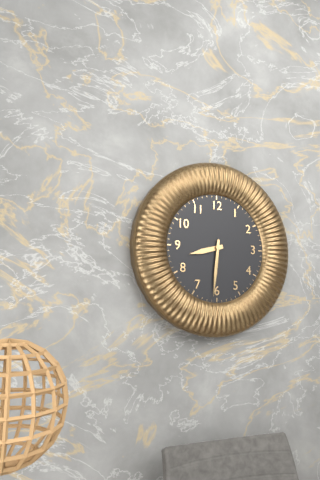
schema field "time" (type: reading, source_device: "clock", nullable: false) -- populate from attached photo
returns 8:31
